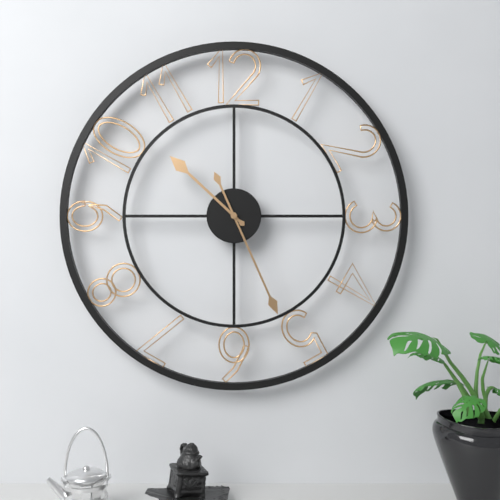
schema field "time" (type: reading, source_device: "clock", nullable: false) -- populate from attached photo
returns 10:26
